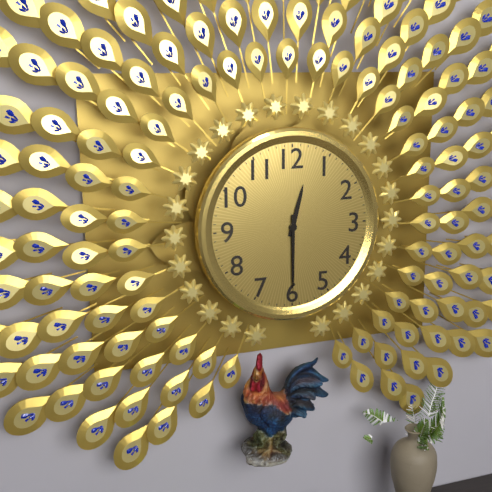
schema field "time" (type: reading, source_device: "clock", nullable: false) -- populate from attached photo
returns 12:30
